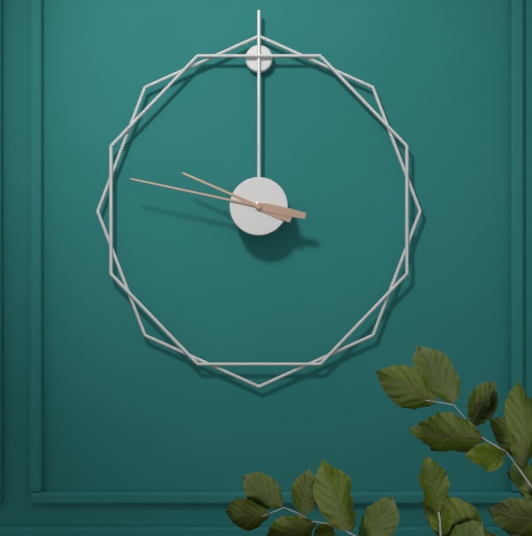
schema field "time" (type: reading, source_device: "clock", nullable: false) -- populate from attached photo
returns 9:47
